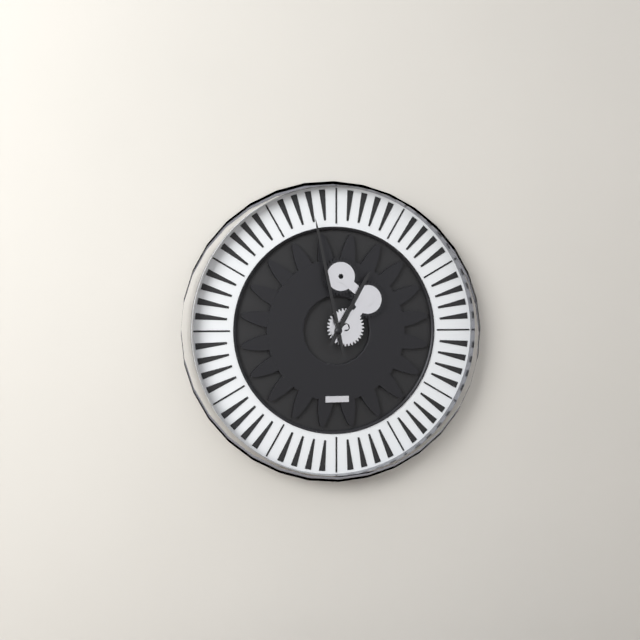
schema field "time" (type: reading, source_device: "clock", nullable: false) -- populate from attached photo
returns 12:58
